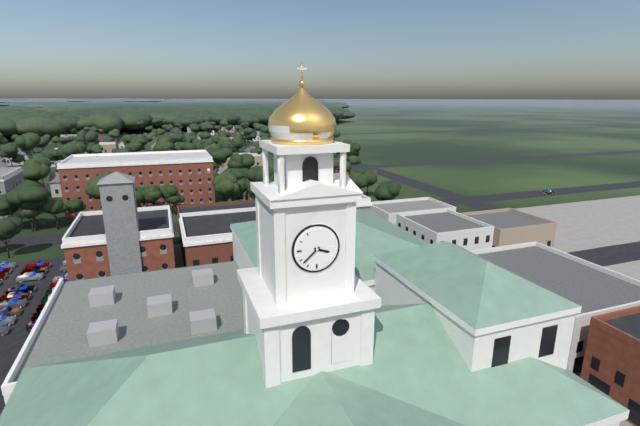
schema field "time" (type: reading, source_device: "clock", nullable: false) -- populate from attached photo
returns 3:38
